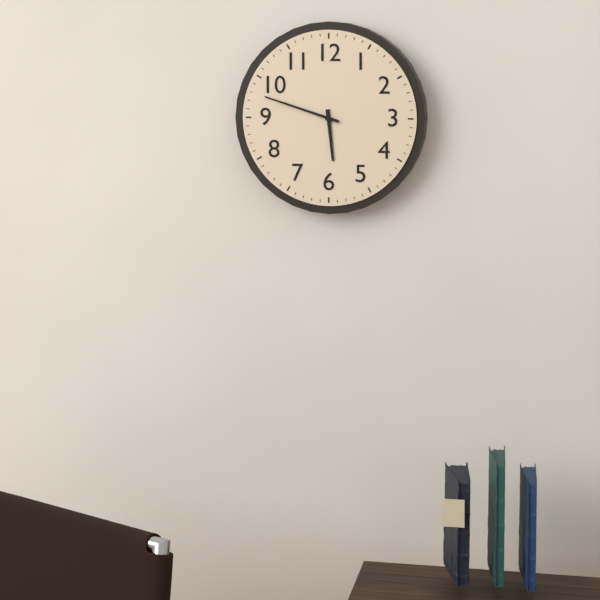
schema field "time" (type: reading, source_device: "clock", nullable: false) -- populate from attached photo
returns 5:48
